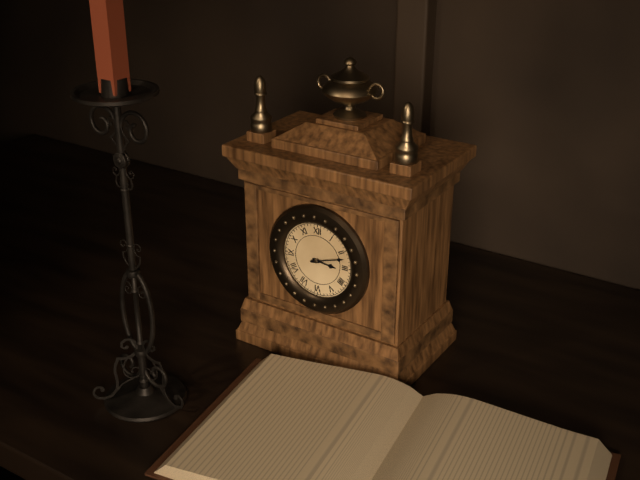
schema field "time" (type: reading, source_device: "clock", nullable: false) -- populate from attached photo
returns 3:12
